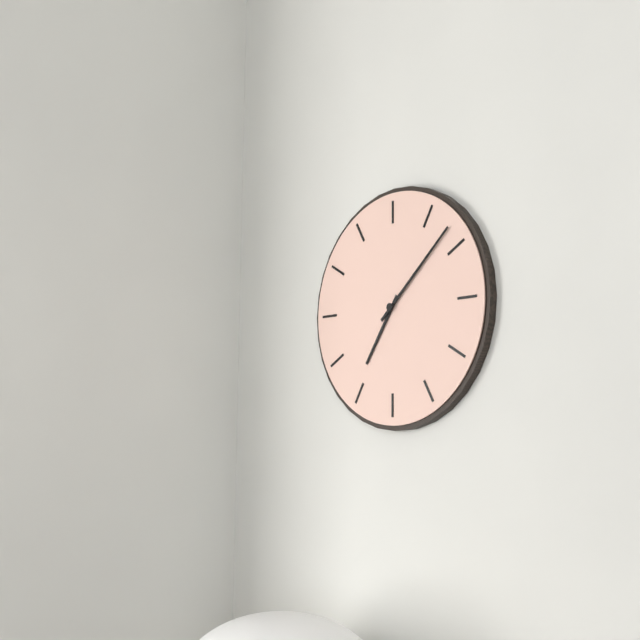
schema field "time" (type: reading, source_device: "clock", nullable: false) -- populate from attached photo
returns 7:08
